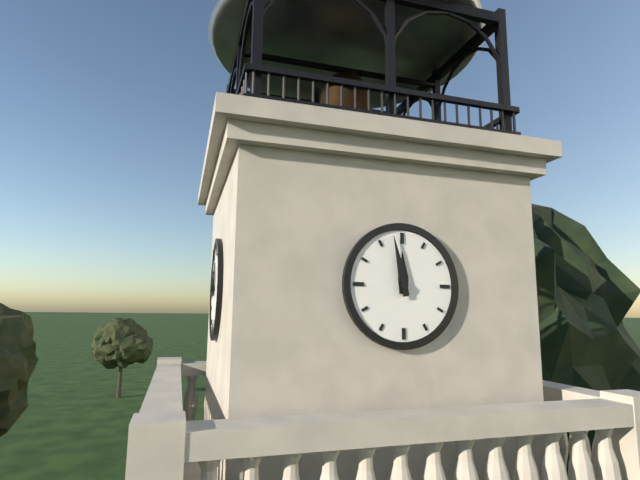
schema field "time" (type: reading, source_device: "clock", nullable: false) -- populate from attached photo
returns 11:58
